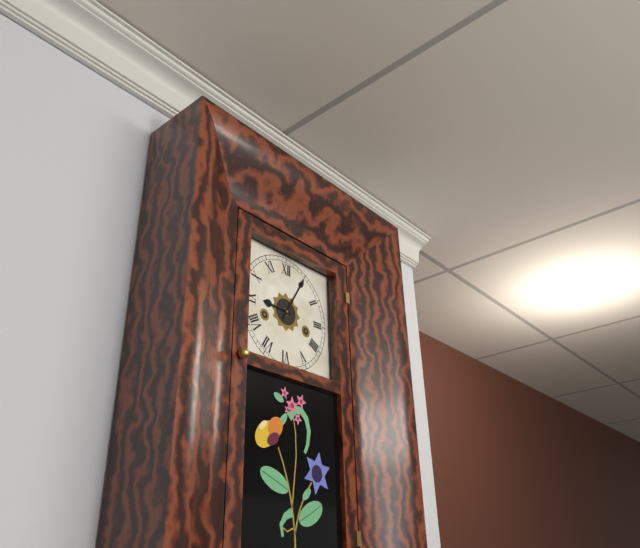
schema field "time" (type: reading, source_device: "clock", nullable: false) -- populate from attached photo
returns 9:05
